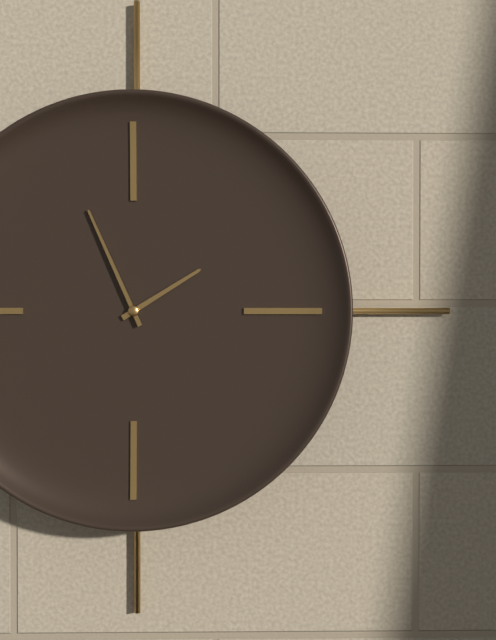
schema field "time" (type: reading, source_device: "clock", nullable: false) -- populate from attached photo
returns 1:56
